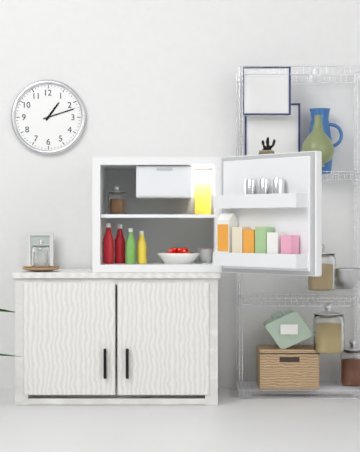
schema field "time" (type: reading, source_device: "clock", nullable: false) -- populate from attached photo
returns 1:12
